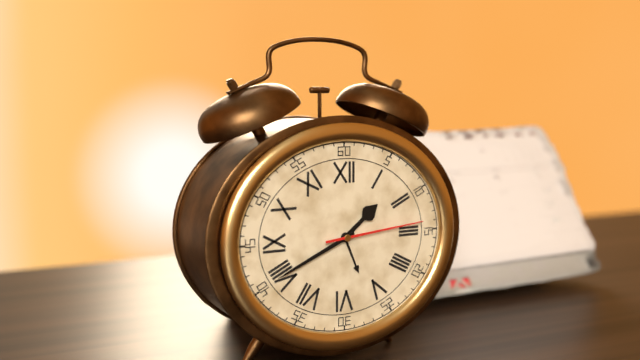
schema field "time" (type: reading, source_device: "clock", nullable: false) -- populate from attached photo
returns 1:41:14
